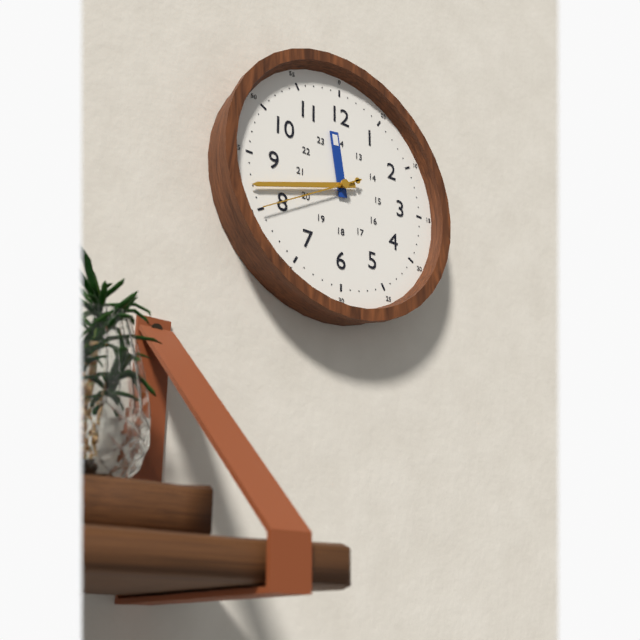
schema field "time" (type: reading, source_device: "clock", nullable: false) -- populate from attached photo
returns 11:42:40
